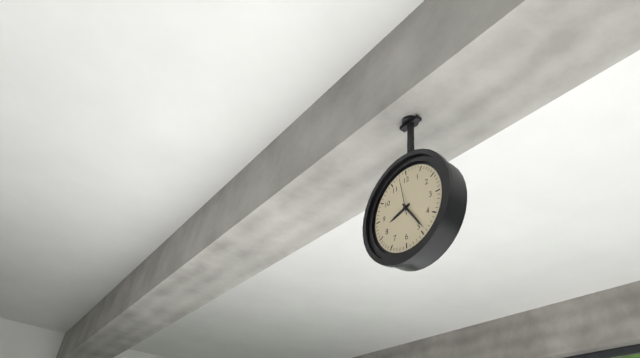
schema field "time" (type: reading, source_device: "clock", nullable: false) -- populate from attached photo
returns 8:24
